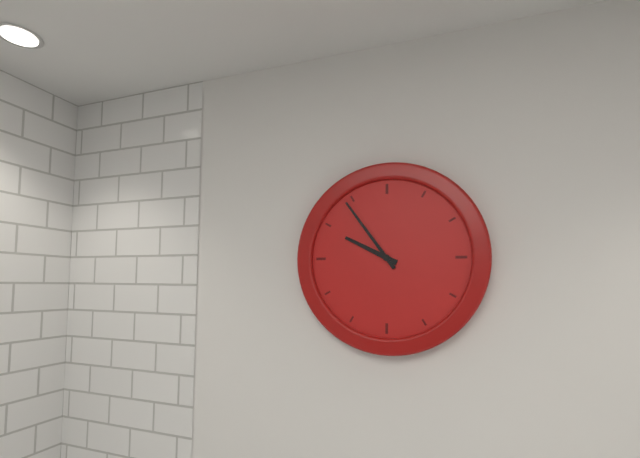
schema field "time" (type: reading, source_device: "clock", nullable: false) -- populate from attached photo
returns 9:54
